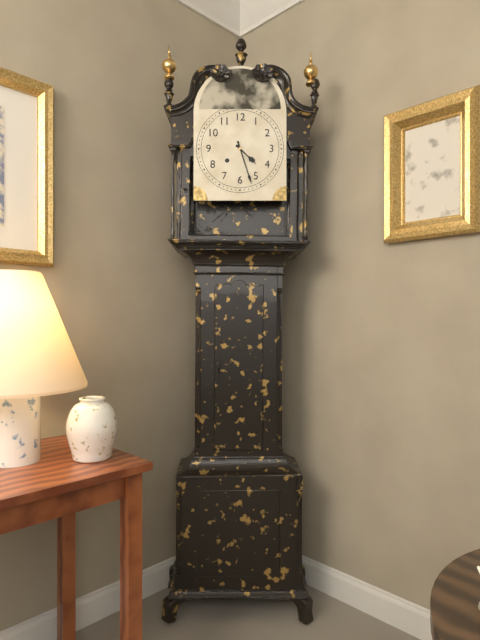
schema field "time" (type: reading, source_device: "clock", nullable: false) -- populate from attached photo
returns 4:27
